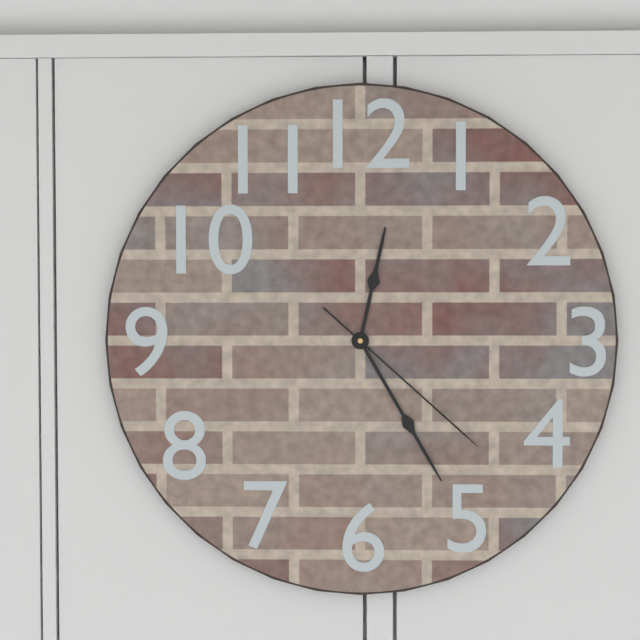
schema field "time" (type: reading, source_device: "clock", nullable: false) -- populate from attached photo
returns 12:25:22
